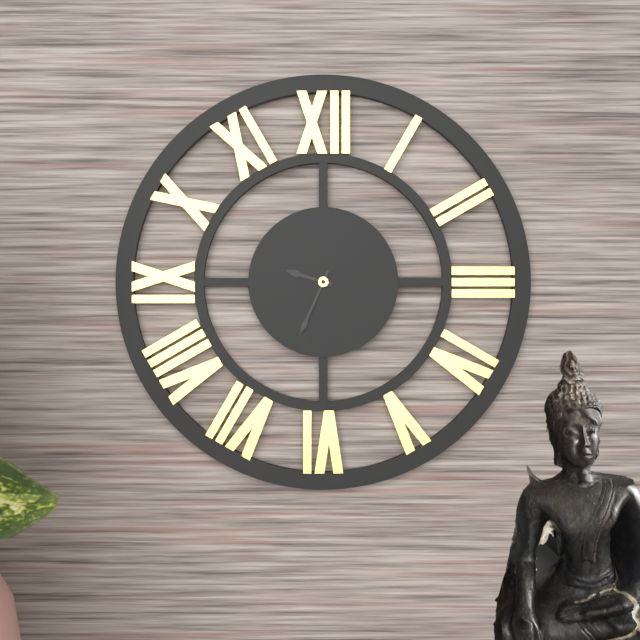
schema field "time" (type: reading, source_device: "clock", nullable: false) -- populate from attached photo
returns 9:34
